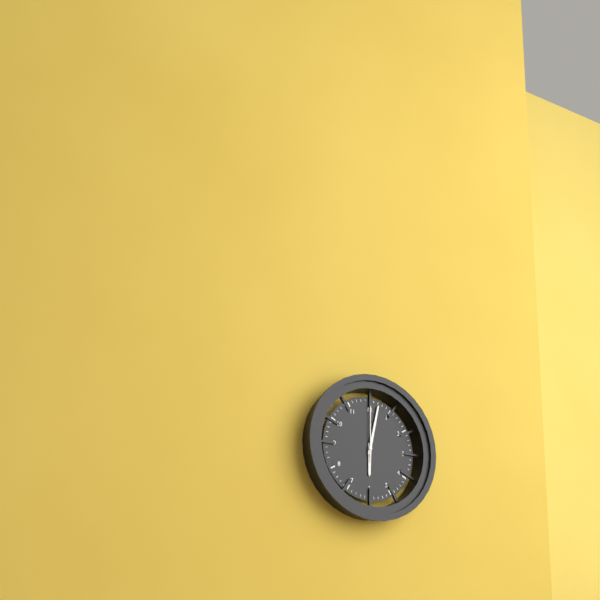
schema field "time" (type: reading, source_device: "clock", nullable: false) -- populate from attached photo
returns 6:02:00
